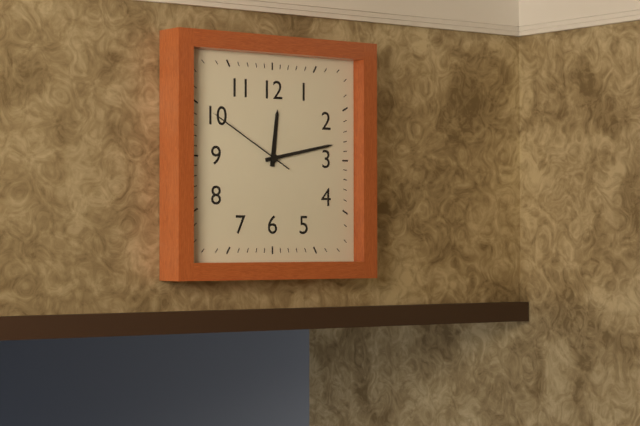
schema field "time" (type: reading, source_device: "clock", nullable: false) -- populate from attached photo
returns 12:13:50
